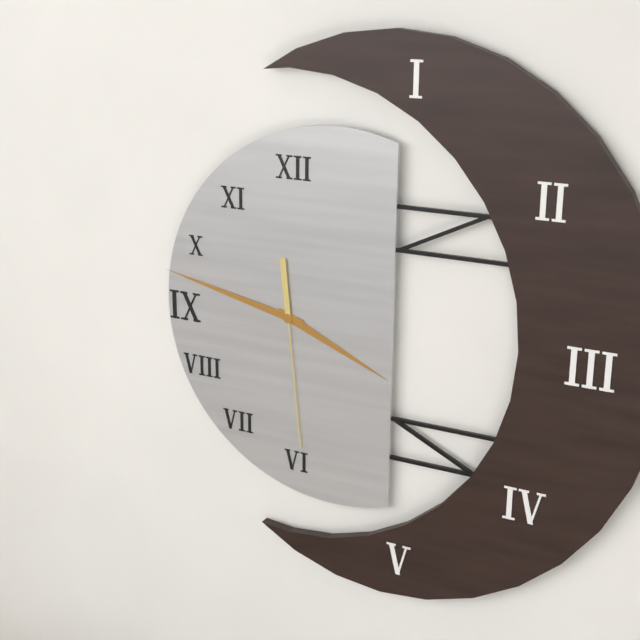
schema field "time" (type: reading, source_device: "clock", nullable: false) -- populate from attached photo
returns 3:47:29
